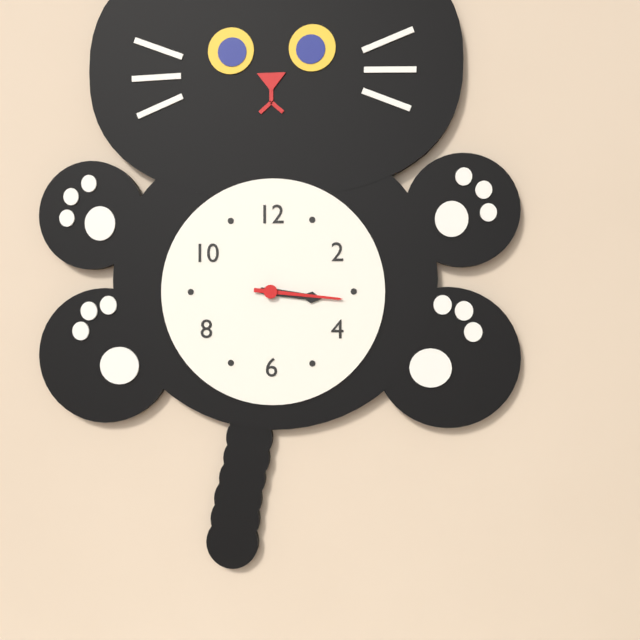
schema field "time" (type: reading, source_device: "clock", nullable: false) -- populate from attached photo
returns 3:16
